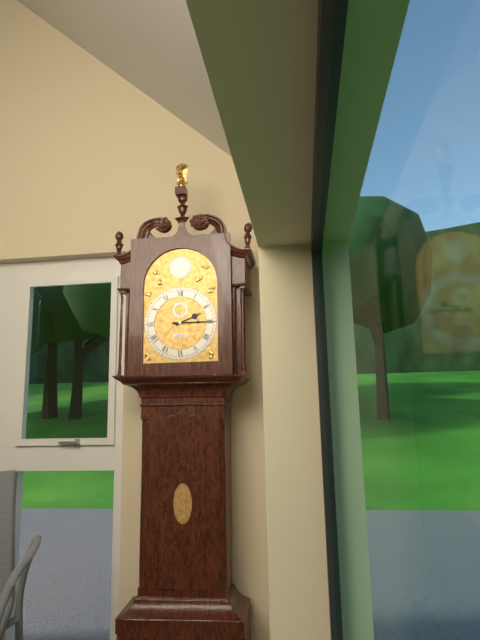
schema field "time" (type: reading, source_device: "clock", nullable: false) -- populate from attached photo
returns 2:15
